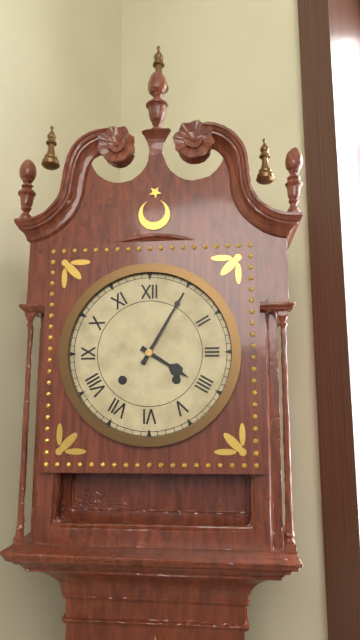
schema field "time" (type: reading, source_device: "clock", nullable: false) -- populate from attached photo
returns 4:05
